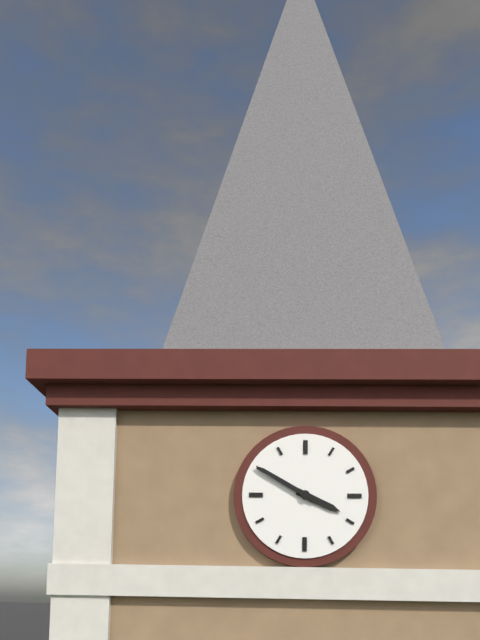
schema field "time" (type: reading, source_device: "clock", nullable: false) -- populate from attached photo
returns 3:50
